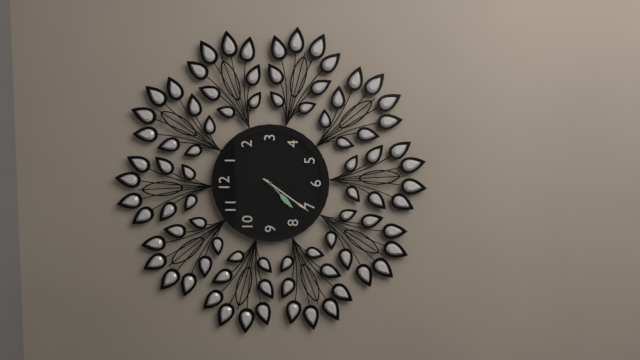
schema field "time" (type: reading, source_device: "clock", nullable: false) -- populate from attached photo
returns 7:36
